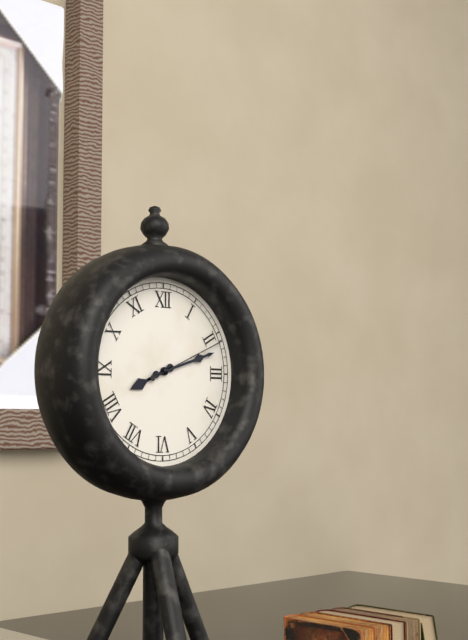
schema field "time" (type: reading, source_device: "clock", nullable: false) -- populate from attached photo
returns 8:12:11
